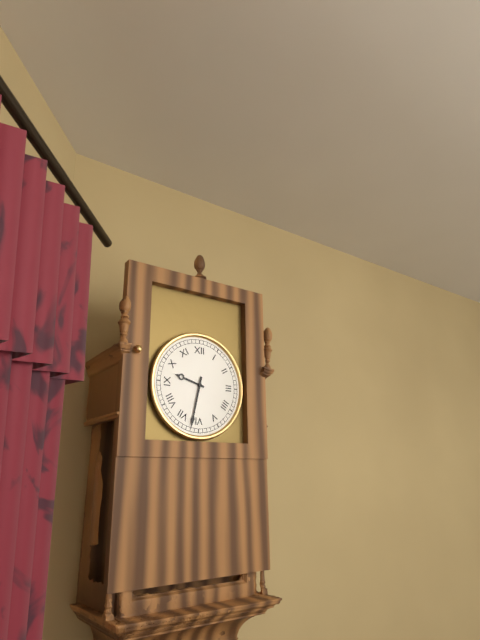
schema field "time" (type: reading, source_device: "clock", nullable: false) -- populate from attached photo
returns 9:32
